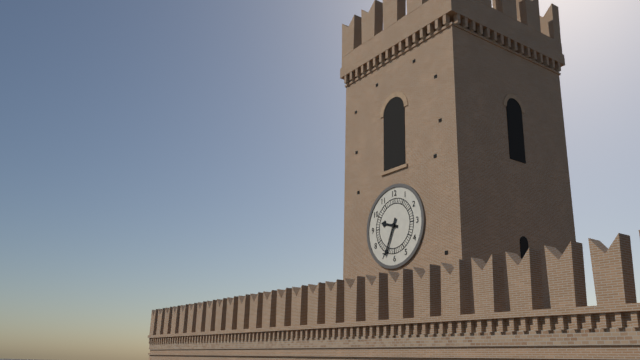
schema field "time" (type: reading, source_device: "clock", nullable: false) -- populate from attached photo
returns 9:34
